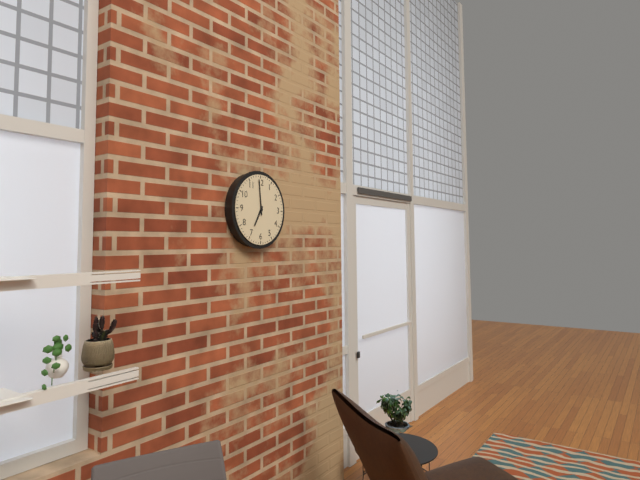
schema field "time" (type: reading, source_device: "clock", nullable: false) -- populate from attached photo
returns 6:59
